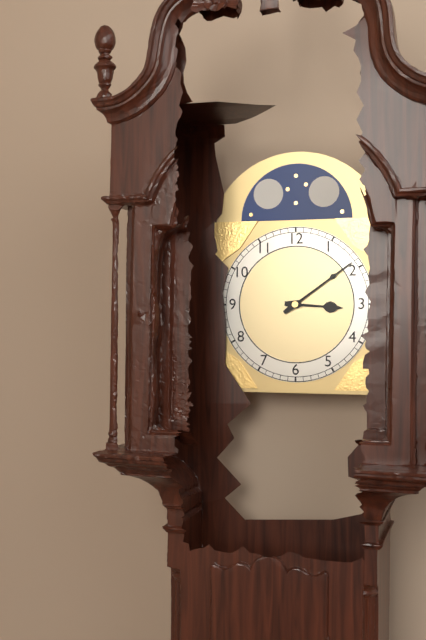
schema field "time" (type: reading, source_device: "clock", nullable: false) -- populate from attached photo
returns 3:09
